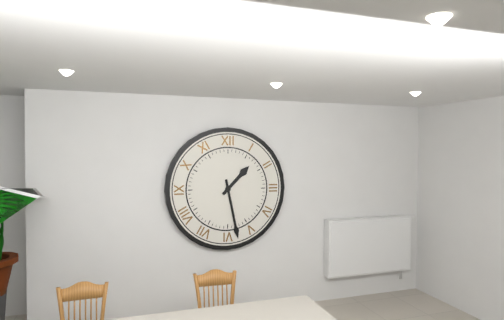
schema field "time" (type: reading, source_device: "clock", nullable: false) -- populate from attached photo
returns 1:28
